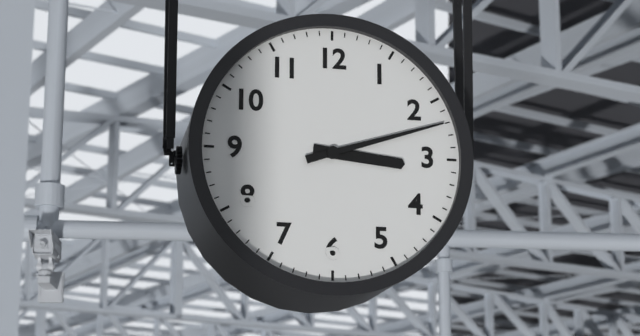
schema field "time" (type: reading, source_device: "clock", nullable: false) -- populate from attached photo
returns 3:12
